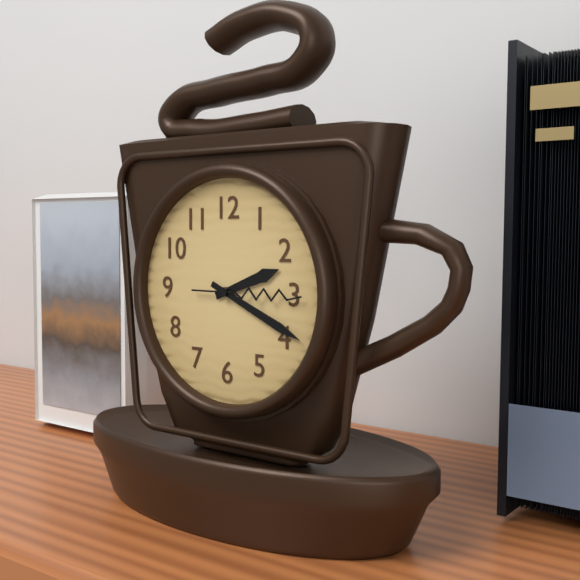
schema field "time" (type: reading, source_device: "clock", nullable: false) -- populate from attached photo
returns 2:19:15
